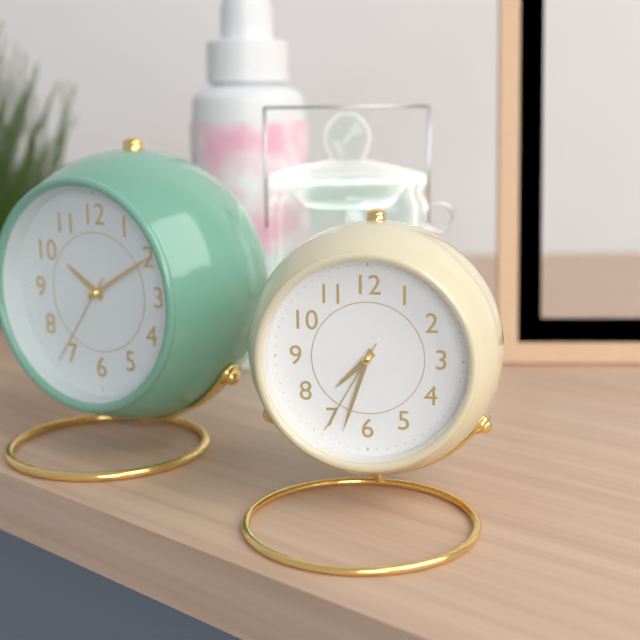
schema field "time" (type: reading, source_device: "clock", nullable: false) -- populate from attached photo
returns 7:33:35
